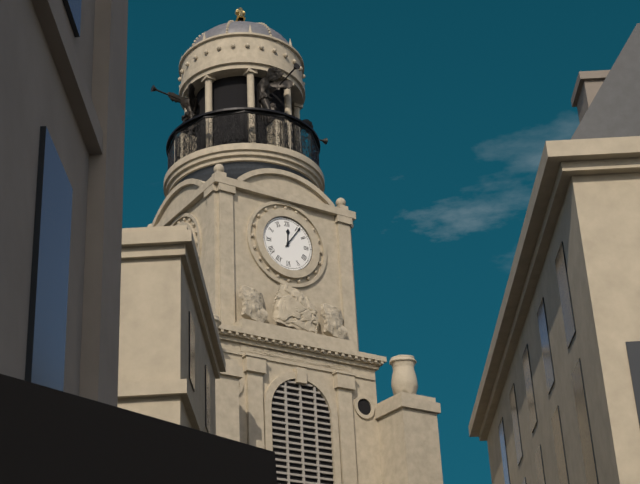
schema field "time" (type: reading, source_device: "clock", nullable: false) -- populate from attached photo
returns 12:06
